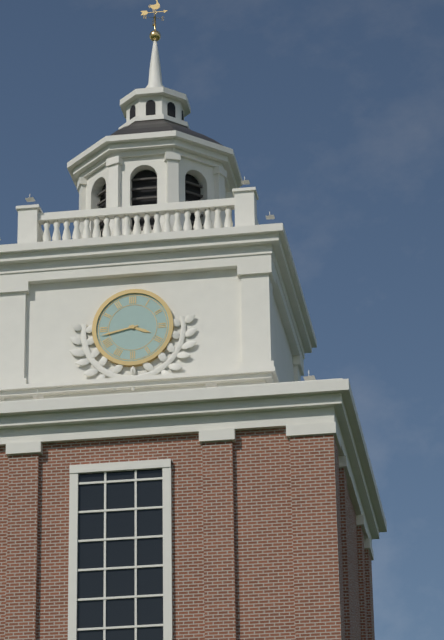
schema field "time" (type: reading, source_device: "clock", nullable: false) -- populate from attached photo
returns 3:43
